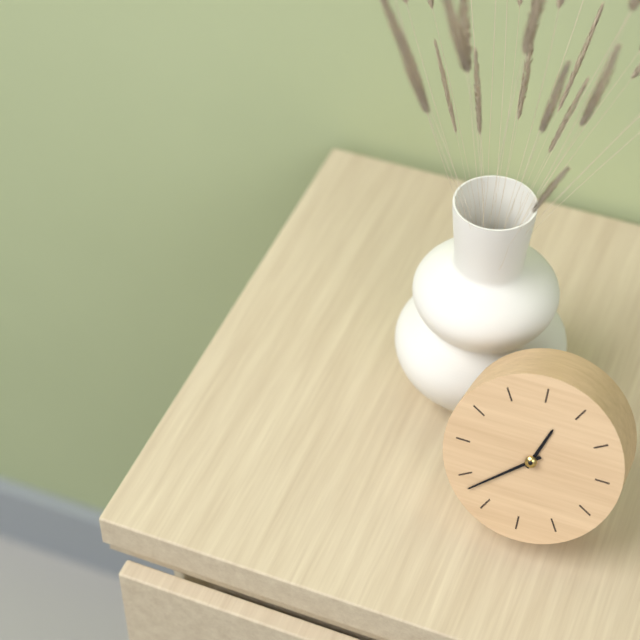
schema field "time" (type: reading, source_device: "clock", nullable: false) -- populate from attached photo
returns 12:38
